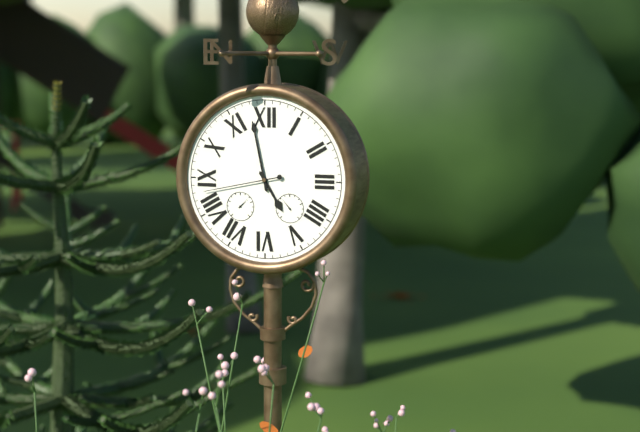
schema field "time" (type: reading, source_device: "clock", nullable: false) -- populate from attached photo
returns 4:58:43
